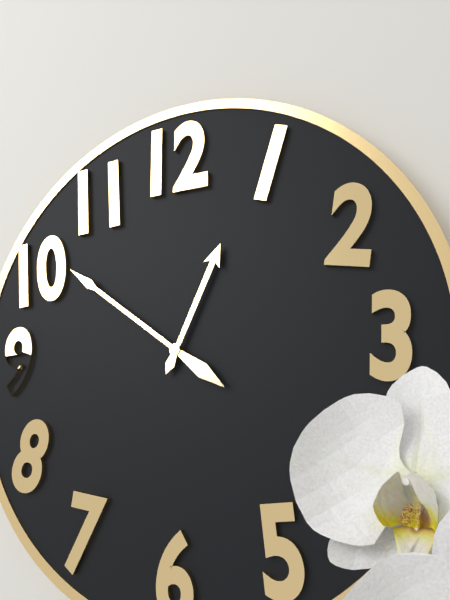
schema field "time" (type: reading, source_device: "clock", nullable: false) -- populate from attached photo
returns 12:51
